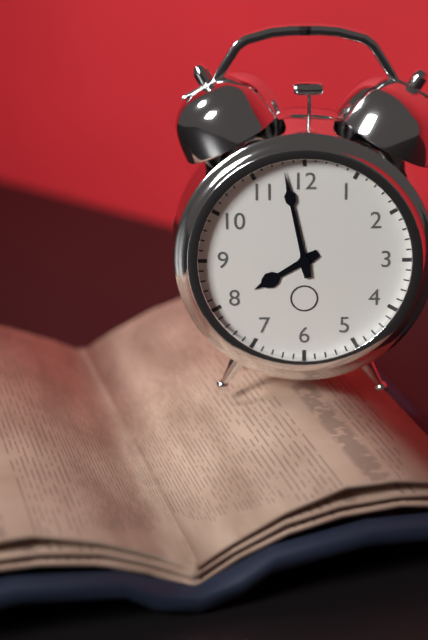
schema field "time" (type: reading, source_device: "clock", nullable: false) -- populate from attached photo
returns 7:58
